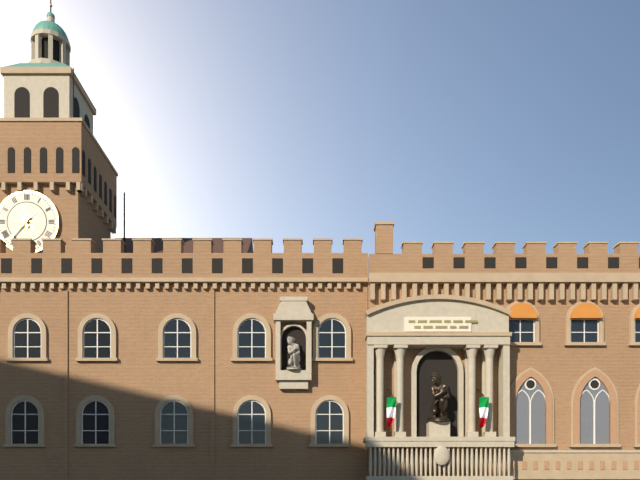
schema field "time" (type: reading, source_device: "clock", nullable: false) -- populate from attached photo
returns 11:37
